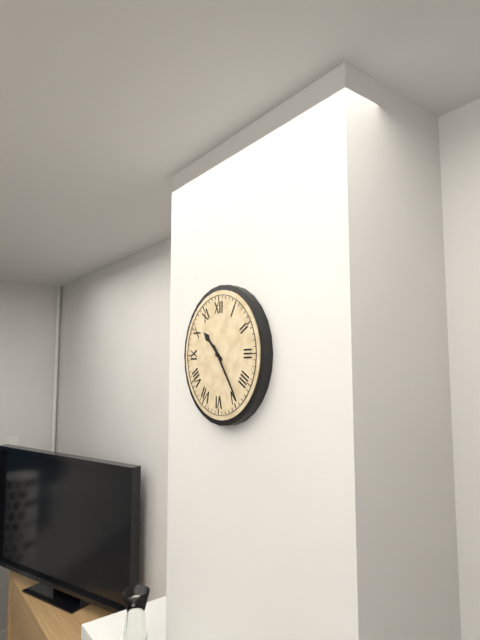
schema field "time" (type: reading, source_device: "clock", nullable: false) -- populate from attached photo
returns 10:24
